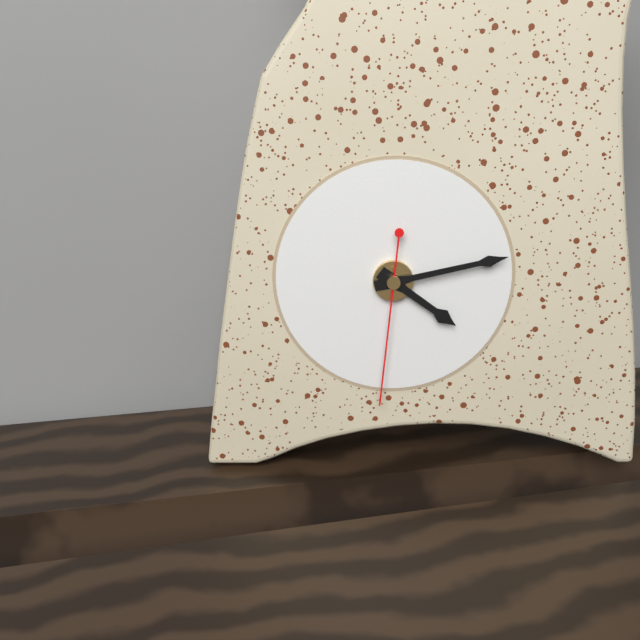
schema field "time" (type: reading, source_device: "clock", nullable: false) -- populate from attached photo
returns 4:13:31
